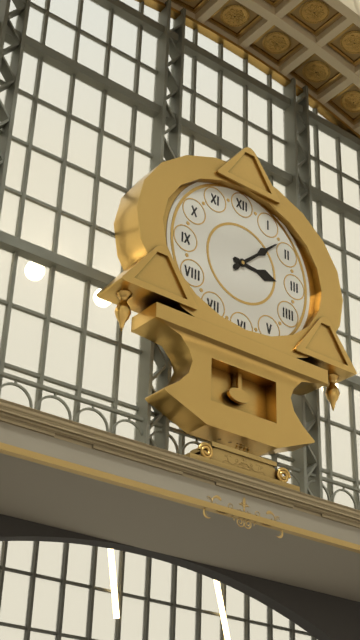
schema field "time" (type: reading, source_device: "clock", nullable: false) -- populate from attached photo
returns 3:08
